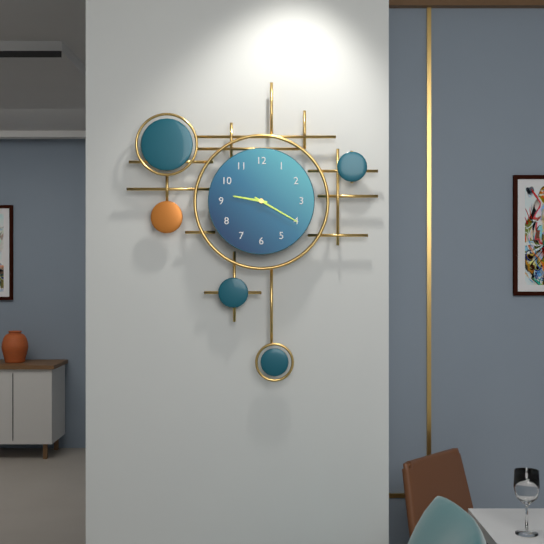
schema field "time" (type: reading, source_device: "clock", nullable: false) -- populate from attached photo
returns 9:20
